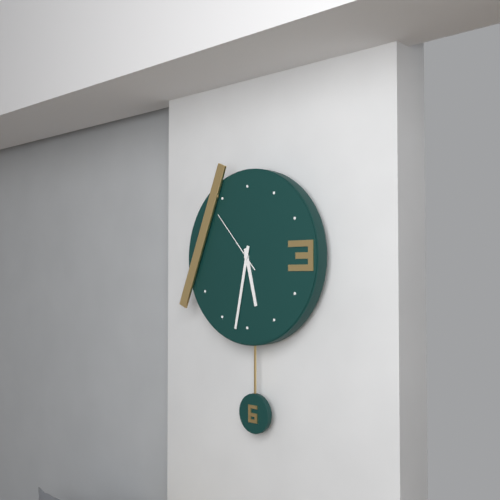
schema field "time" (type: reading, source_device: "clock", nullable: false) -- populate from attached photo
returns 5:32:53
